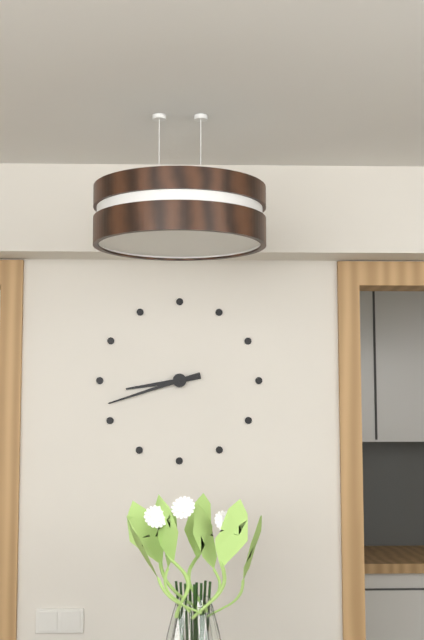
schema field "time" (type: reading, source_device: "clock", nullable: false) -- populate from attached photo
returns 8:42
